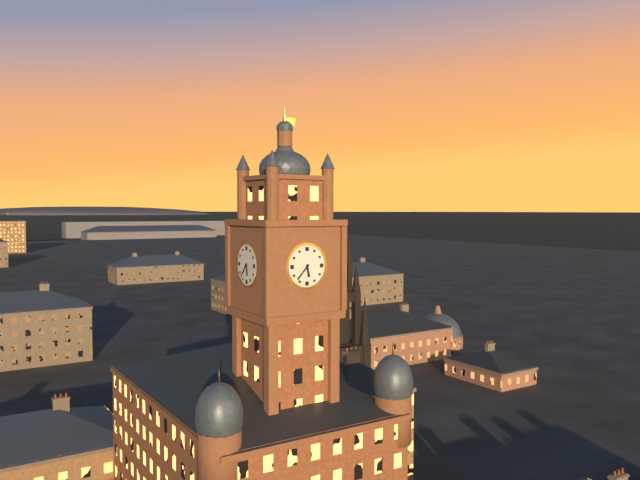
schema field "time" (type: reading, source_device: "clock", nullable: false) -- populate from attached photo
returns 5:37
